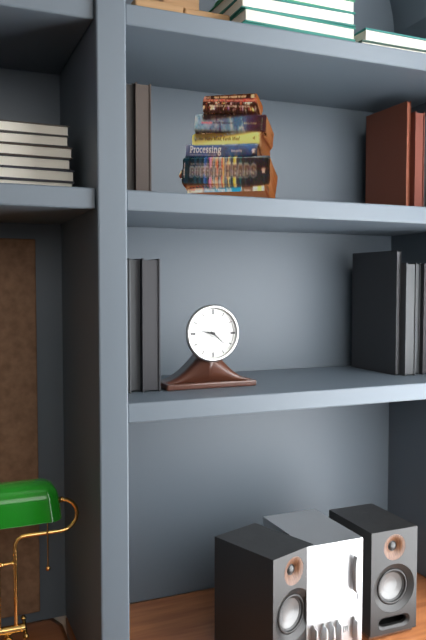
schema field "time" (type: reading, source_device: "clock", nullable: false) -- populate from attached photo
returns 9:22
